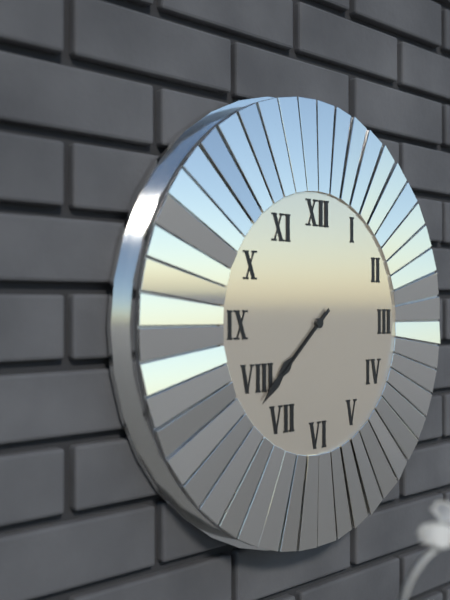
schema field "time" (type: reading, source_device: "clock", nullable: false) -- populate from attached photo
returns 7:38
